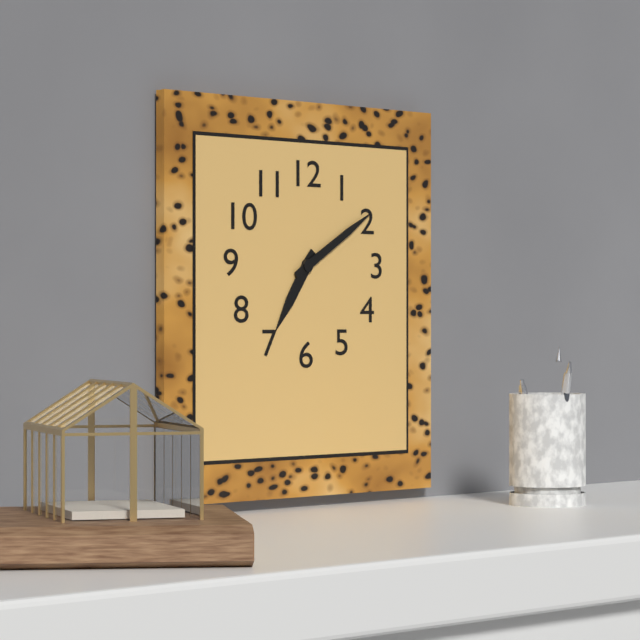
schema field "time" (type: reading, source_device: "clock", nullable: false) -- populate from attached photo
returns 7:10
